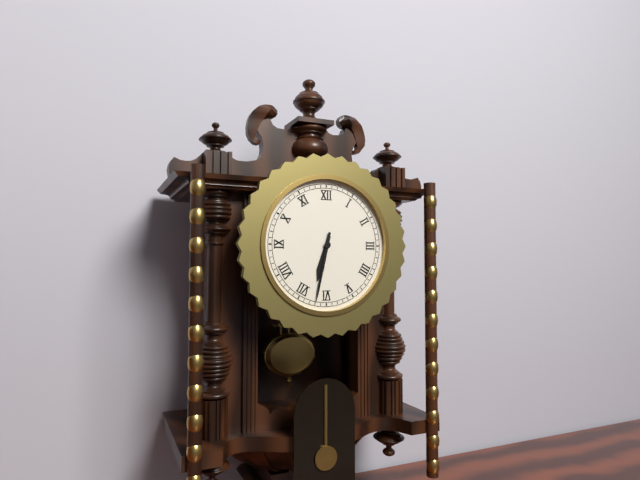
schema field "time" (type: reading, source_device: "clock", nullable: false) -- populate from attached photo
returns 6:32
